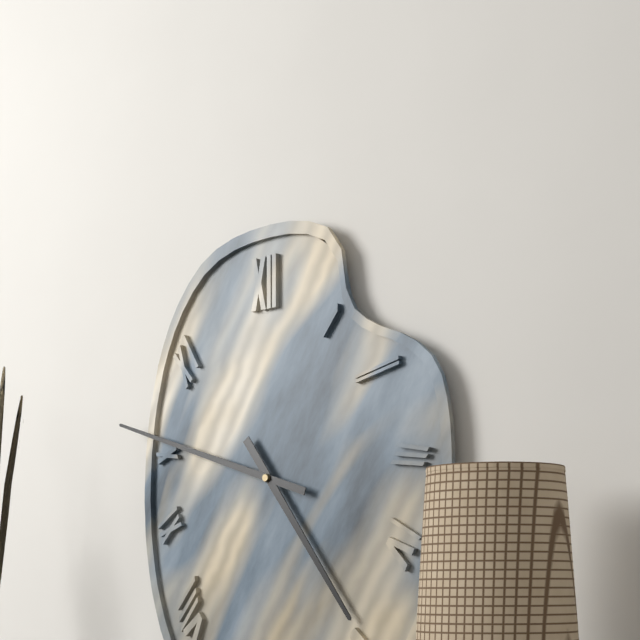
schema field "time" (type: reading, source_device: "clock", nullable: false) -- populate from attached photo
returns 4:48
